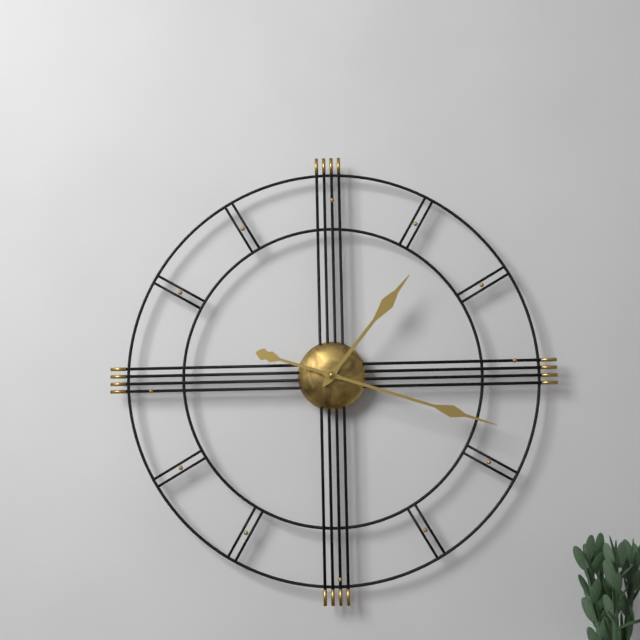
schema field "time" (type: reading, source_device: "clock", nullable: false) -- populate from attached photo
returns 1:18
